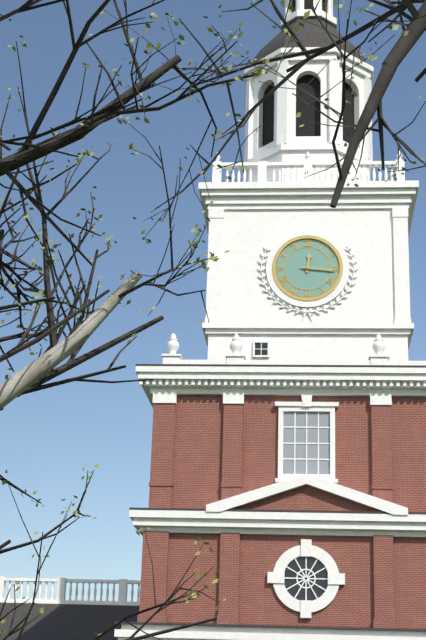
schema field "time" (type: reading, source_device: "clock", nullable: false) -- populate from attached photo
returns 12:16
